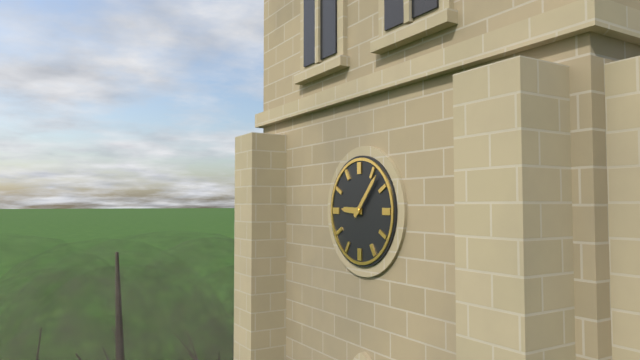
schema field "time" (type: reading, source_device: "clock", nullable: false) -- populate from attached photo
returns 9:07
